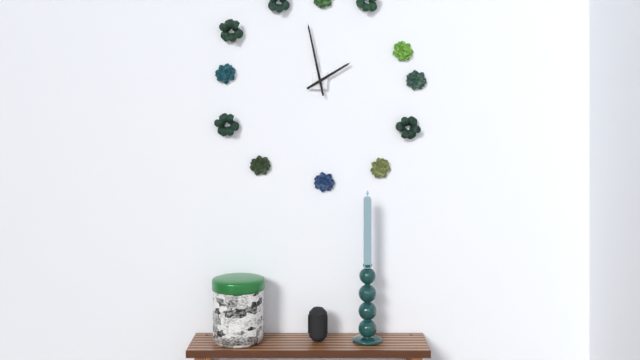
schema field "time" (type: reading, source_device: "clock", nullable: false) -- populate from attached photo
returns 1:58
